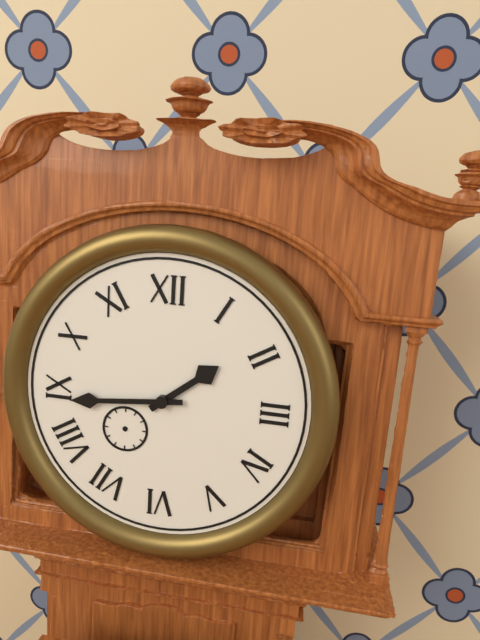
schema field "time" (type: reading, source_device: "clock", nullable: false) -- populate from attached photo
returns 1:44
